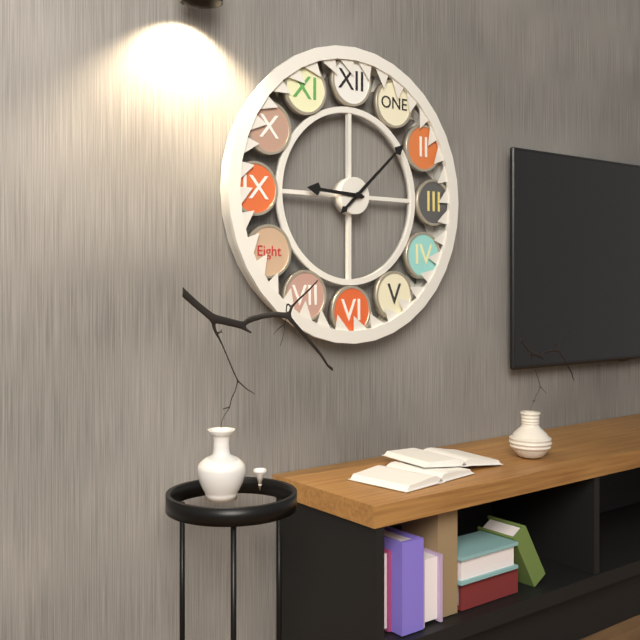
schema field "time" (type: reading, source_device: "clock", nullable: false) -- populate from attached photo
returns 9:08
